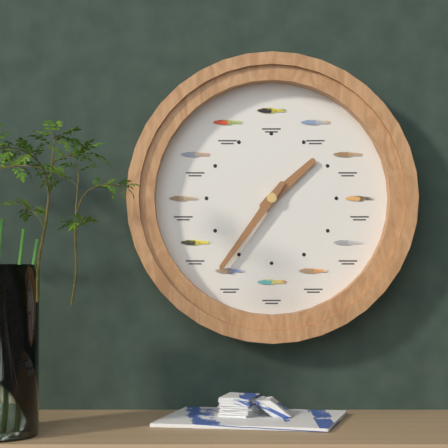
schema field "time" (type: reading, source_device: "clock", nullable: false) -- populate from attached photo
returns 1:36
